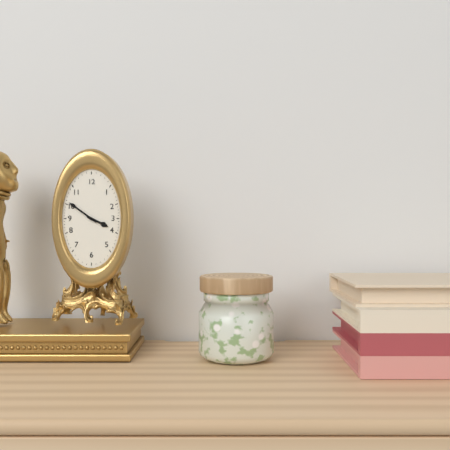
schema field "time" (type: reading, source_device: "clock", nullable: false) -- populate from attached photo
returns 3:51
